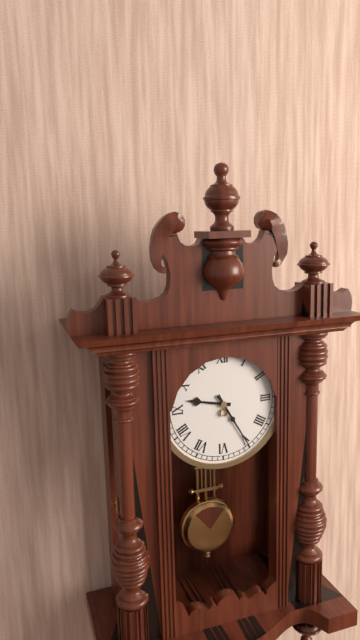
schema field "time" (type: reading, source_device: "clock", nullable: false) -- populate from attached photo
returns 9:25
